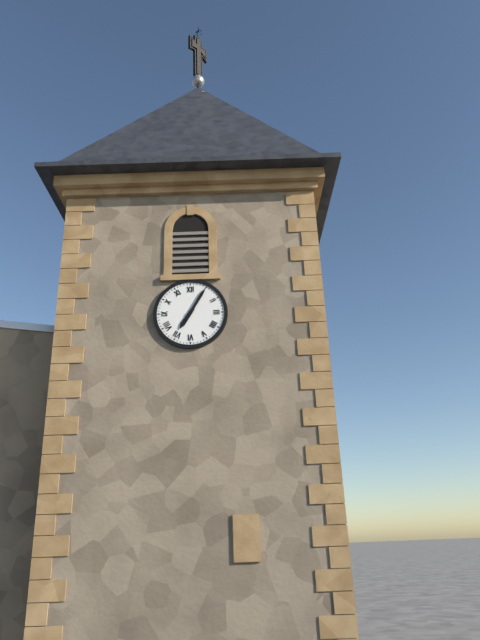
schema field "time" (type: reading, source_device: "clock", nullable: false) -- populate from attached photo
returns 7:05
